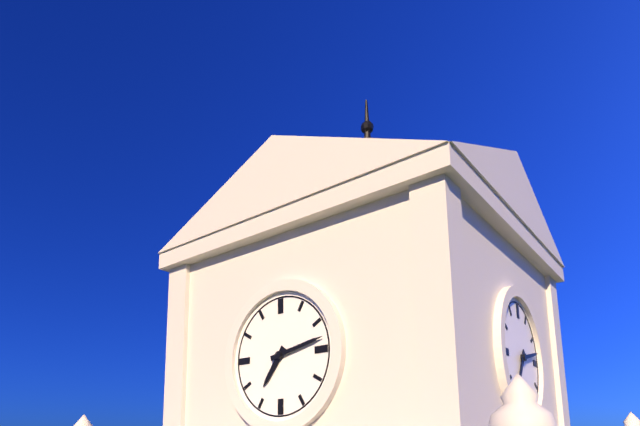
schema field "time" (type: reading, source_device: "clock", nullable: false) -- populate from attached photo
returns 7:13
